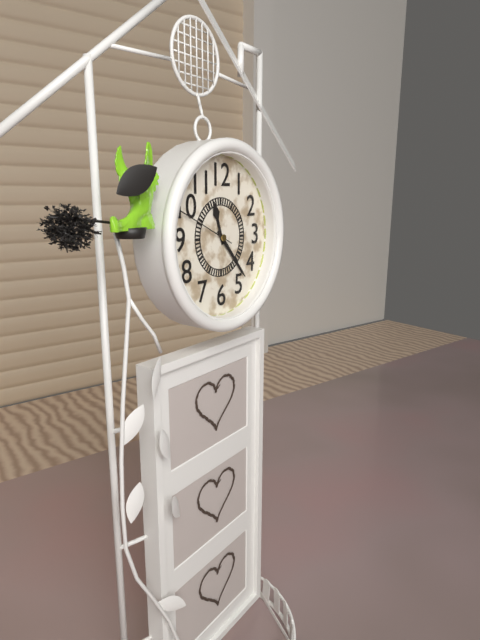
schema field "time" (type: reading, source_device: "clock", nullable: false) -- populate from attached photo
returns 11:23:49
